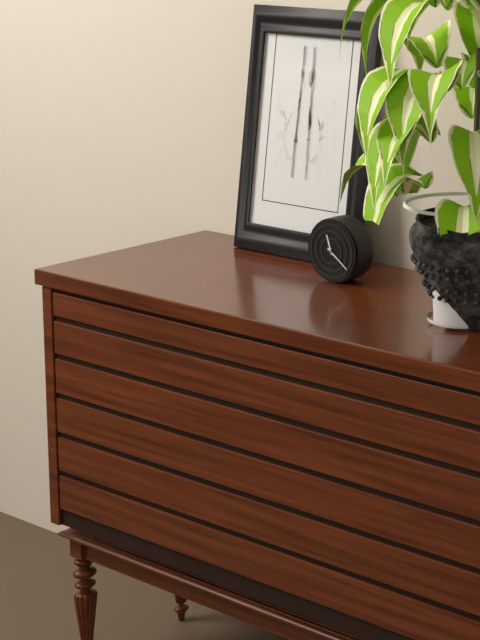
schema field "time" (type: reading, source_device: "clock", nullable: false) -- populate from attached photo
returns 11:21
